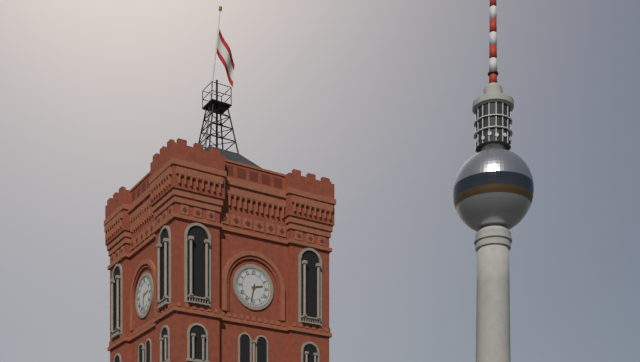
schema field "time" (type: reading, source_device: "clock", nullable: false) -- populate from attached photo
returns 2:32
